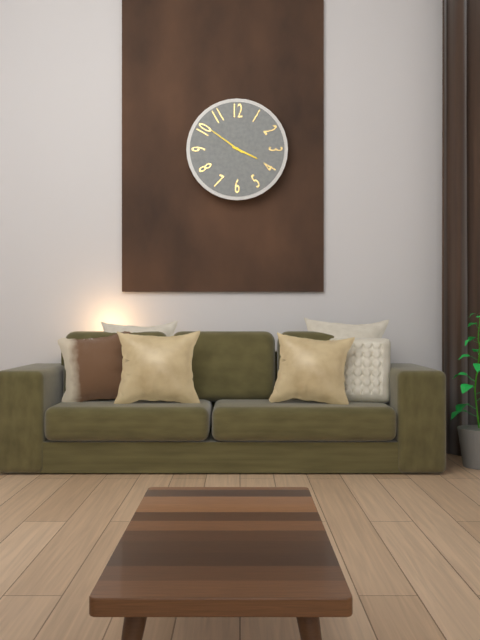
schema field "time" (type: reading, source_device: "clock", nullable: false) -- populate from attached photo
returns 3:51
